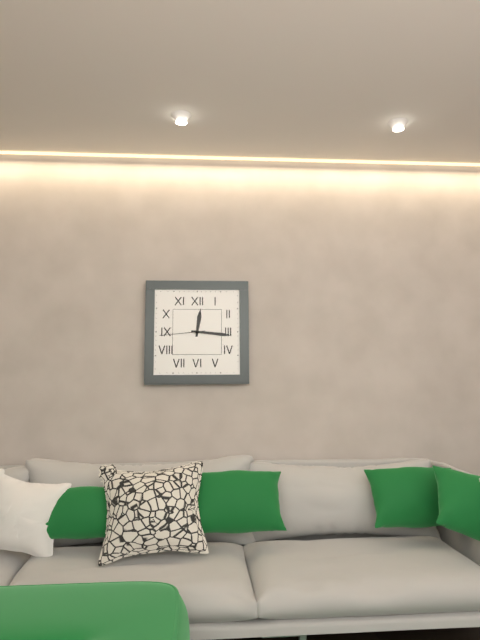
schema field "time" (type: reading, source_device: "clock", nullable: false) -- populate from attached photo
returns 12:16
